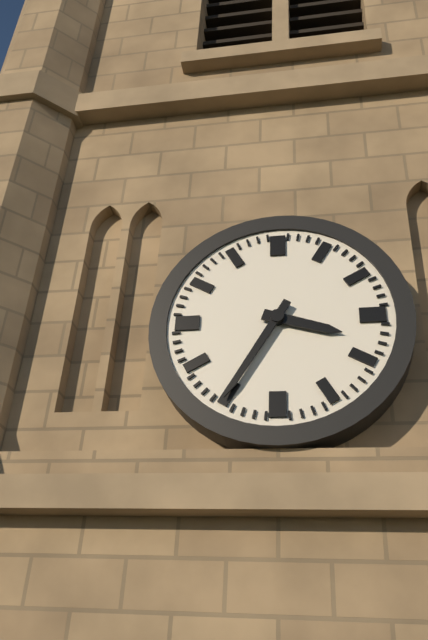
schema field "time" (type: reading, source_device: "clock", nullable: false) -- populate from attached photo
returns 3:35
